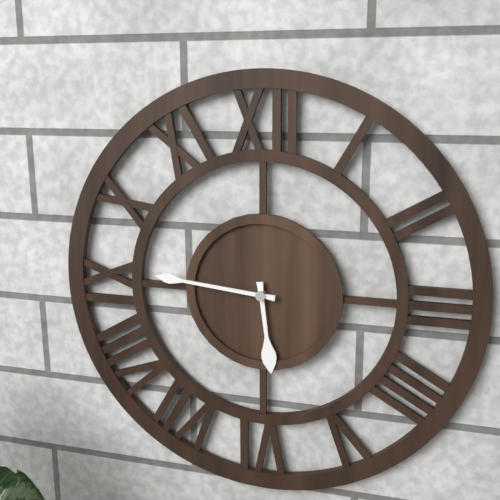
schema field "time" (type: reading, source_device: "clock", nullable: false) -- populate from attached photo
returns 5:46
